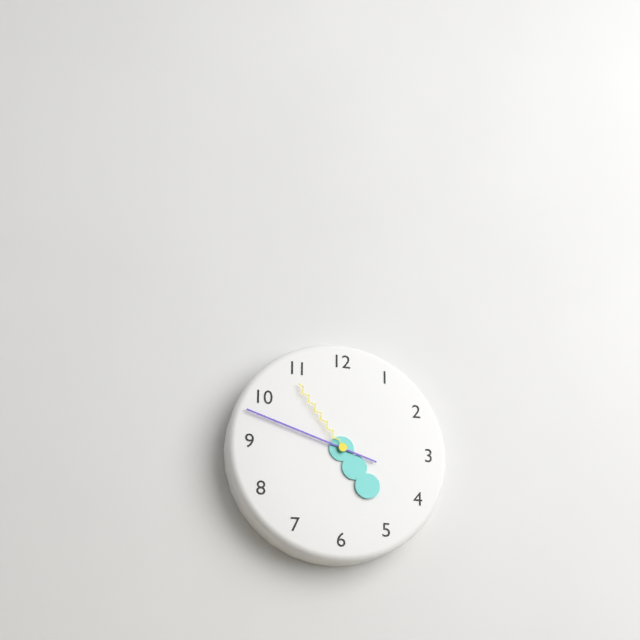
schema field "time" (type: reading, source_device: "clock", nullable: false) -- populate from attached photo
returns 4:48:54
